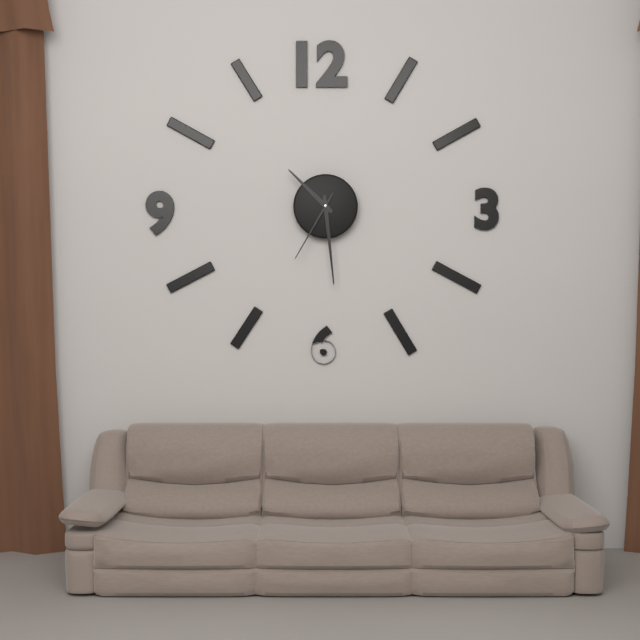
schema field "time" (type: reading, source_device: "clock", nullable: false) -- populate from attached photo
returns 10:29:35
